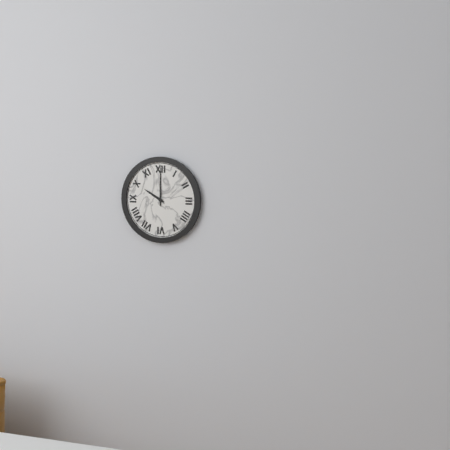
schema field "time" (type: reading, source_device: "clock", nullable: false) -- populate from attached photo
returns 10:00
